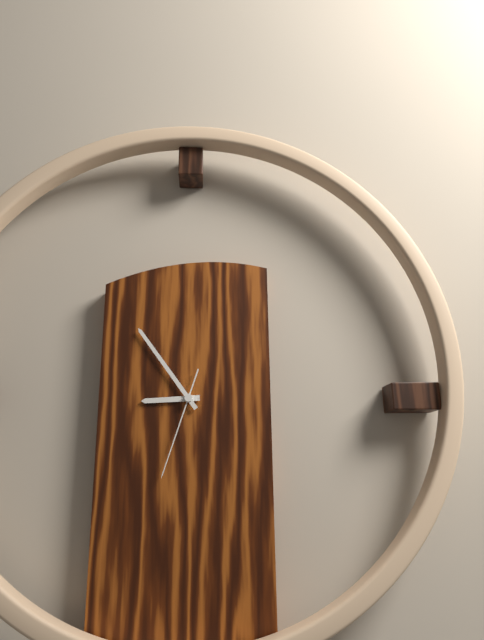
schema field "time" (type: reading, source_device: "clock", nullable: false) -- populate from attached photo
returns 8:54:33
